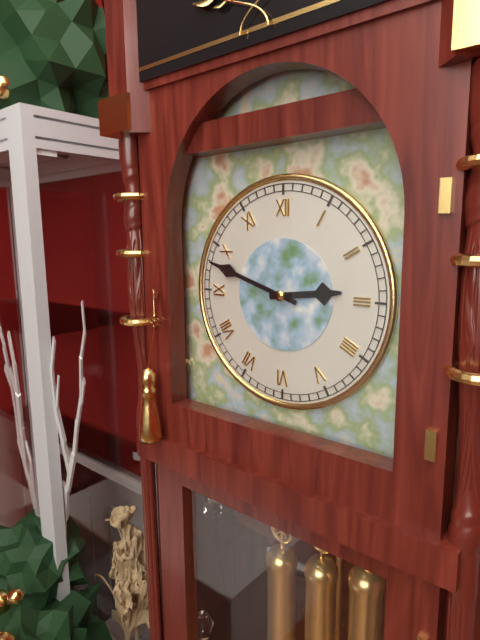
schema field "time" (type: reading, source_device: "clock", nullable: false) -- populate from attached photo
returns 2:48
